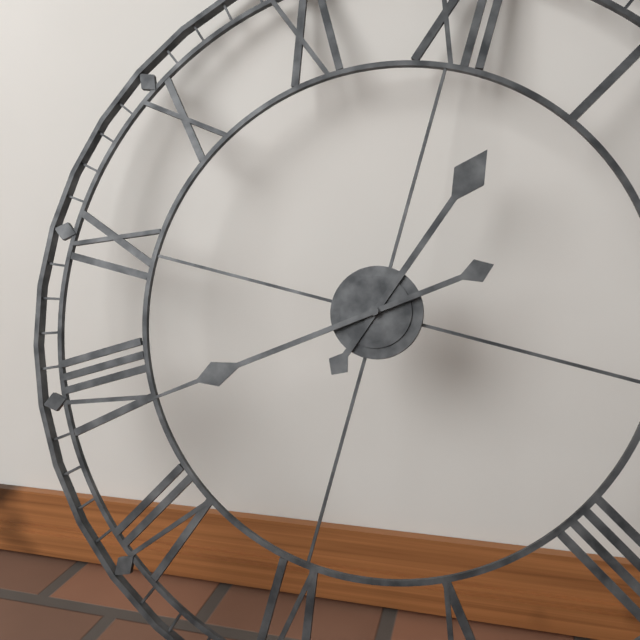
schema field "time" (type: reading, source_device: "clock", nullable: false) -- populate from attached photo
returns 12:39
